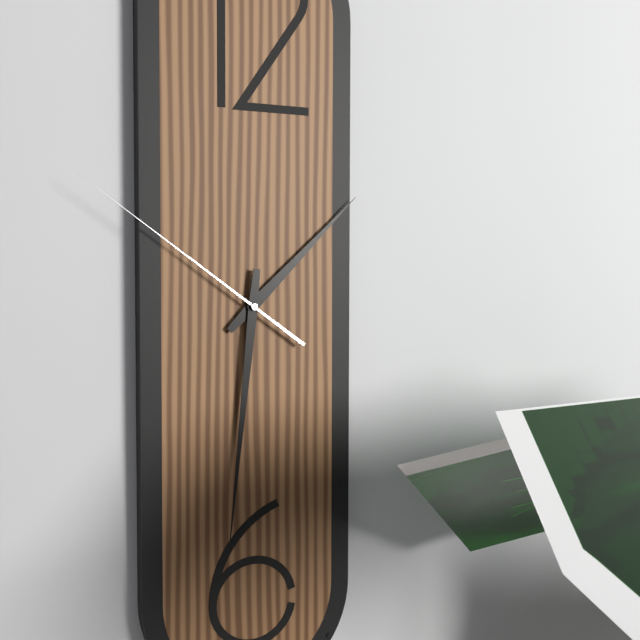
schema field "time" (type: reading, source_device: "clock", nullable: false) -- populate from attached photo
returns 1:31:51
